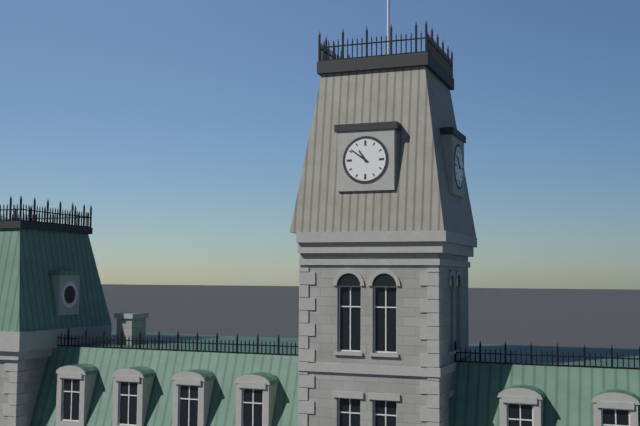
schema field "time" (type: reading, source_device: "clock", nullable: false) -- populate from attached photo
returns 10:51
